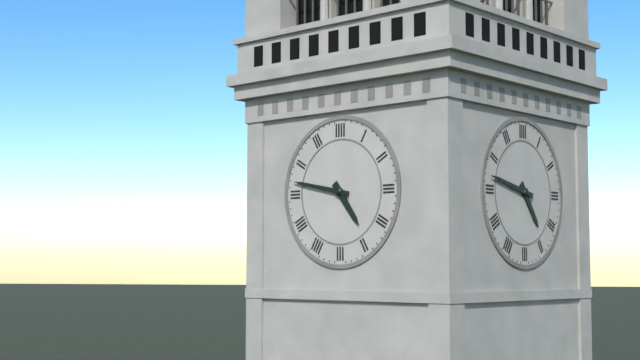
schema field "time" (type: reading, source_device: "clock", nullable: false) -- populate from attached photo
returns 4:47
